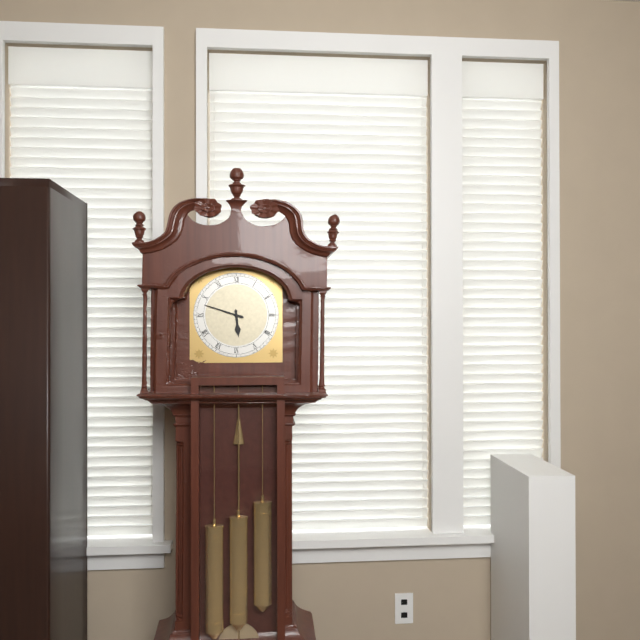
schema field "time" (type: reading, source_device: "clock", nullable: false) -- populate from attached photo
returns 5:48
